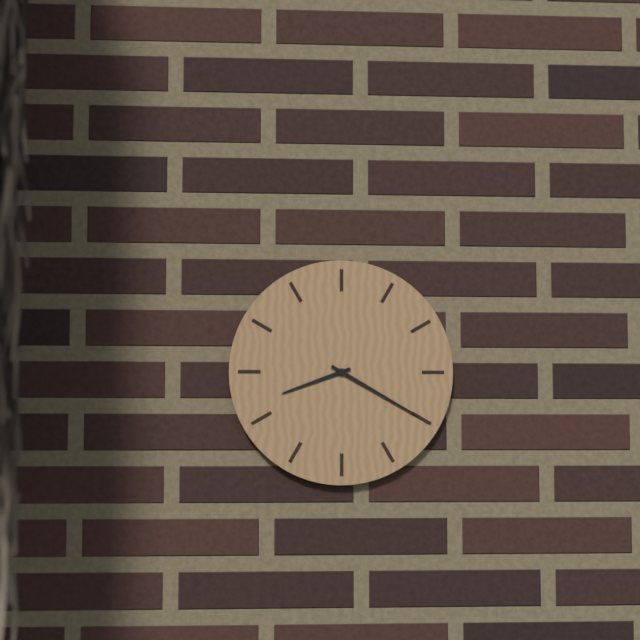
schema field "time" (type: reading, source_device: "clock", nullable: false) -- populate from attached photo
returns 8:20
